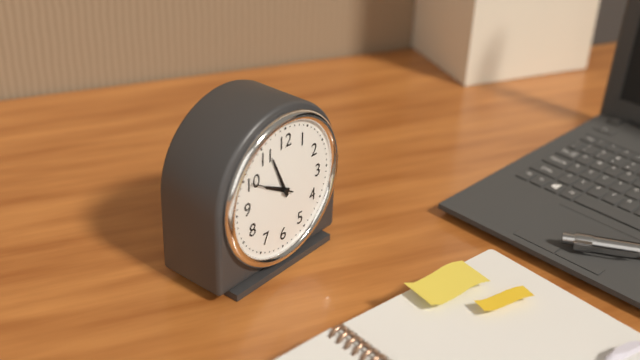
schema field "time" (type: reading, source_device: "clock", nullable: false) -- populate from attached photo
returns 9:56
